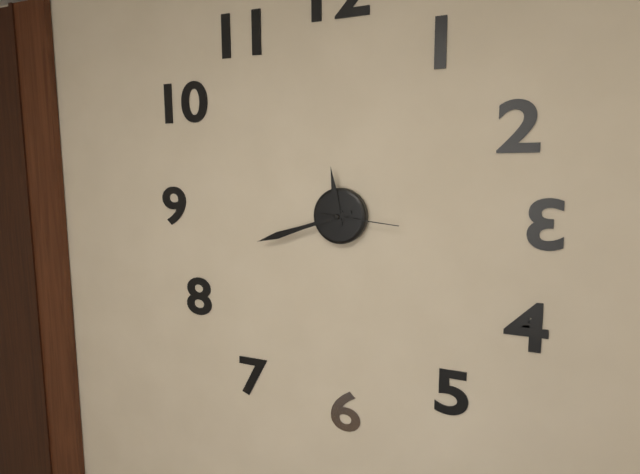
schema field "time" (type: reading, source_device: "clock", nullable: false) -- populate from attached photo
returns 11:42:16
